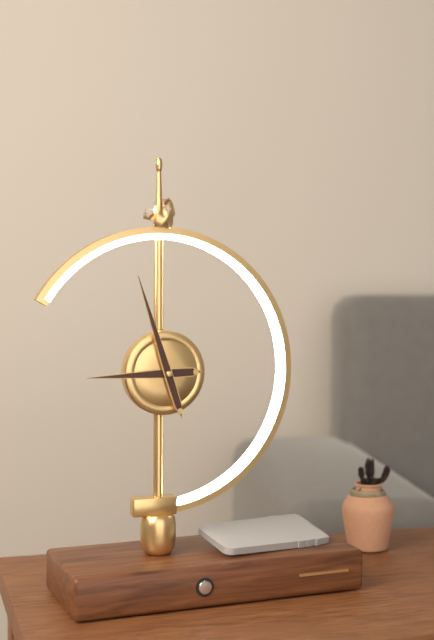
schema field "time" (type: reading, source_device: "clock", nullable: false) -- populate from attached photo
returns 8:57
